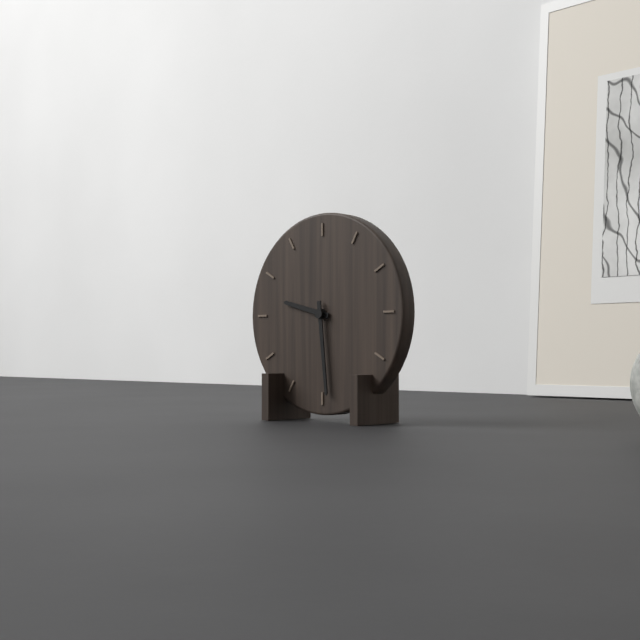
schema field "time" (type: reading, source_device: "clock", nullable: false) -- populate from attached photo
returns 9:29
